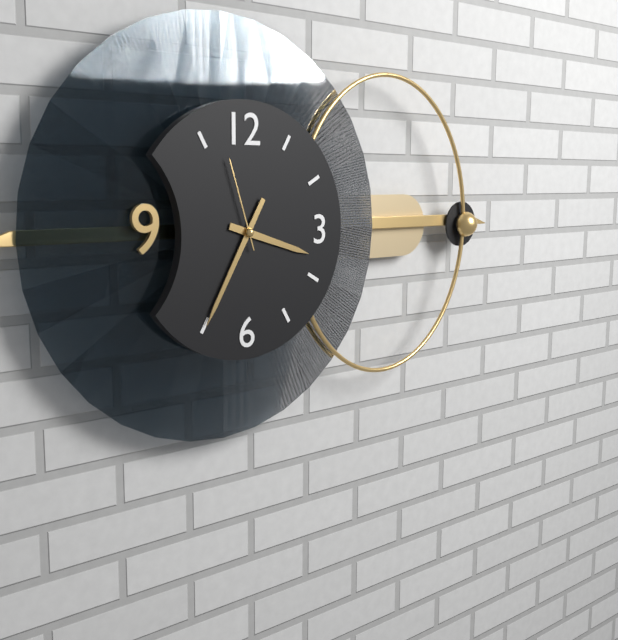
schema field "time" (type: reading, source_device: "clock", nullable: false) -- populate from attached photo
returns 3:35:57
